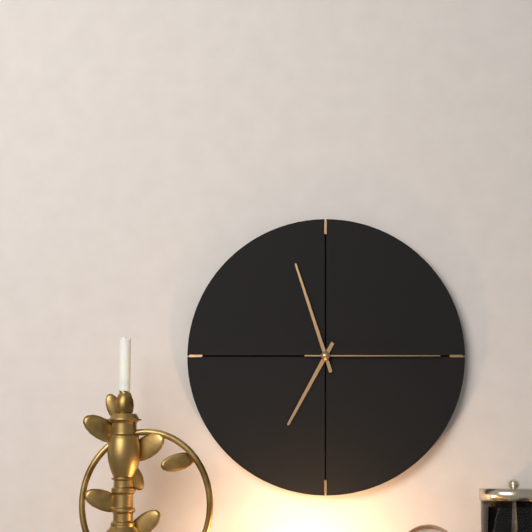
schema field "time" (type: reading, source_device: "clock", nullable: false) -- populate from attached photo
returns 6:57:15
